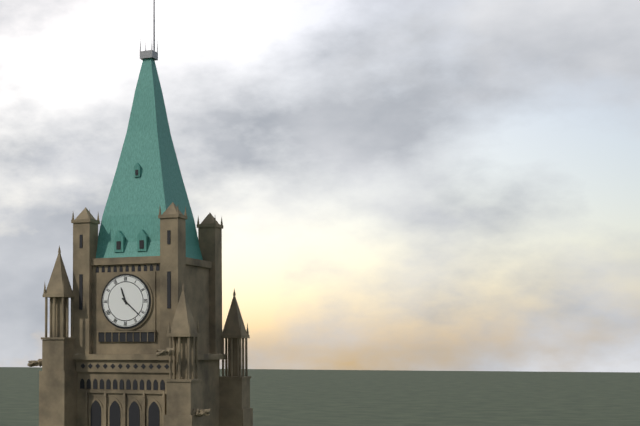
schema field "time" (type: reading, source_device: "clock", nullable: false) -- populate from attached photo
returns 11:22
